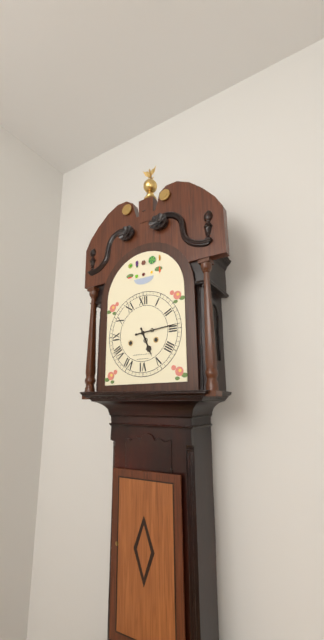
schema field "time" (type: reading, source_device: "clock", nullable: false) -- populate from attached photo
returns 5:14
